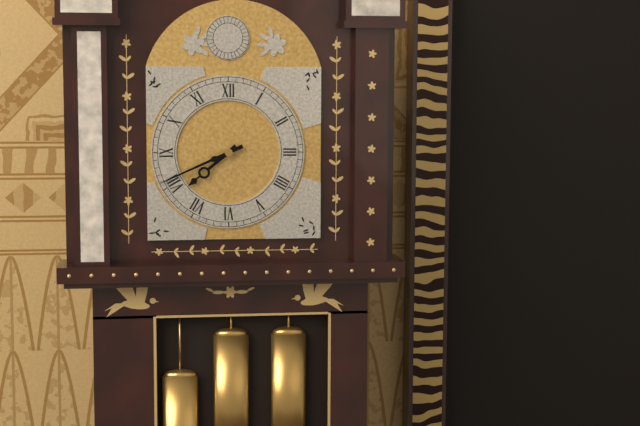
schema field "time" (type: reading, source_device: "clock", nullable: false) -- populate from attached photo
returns 7:41
